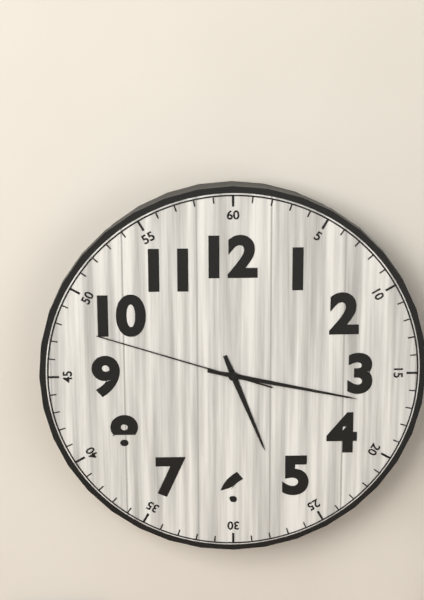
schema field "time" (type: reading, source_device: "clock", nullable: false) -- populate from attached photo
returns 5:17:48
